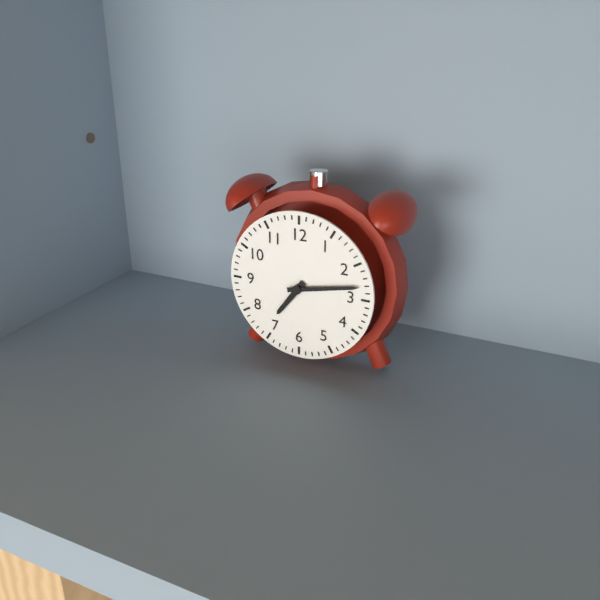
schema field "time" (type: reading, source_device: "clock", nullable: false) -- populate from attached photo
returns 7:13
